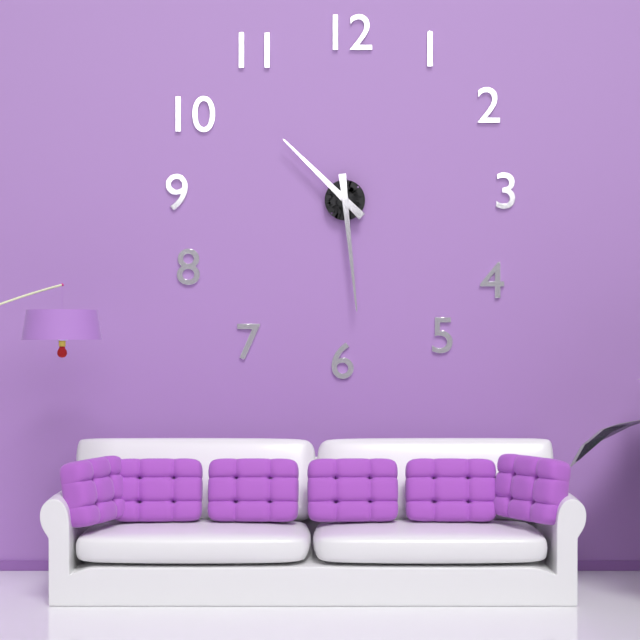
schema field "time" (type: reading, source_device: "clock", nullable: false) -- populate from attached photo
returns 10:29
